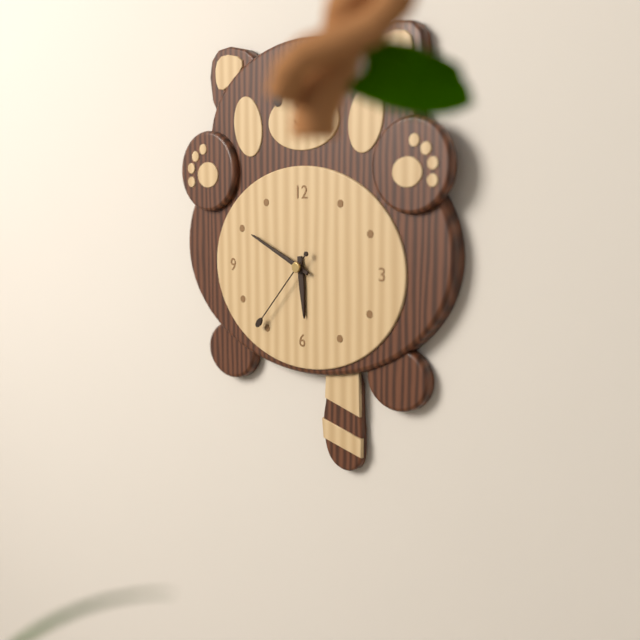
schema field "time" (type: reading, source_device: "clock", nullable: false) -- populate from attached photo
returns 5:49:37
